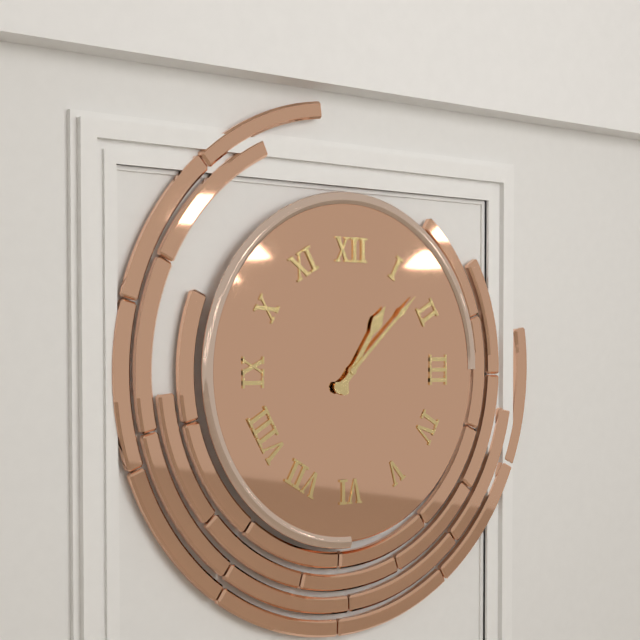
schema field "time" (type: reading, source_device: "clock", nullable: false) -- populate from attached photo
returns 1:08
